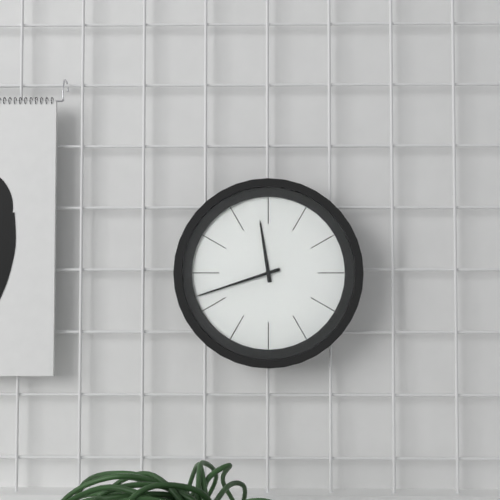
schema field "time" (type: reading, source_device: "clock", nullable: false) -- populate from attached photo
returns 11:42
